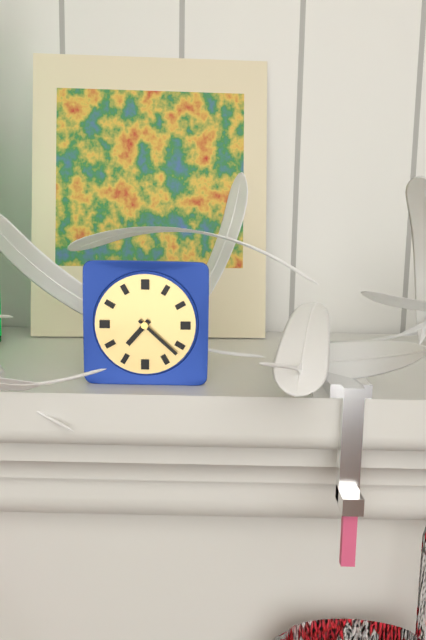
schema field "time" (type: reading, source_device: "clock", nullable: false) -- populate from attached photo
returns 7:22
